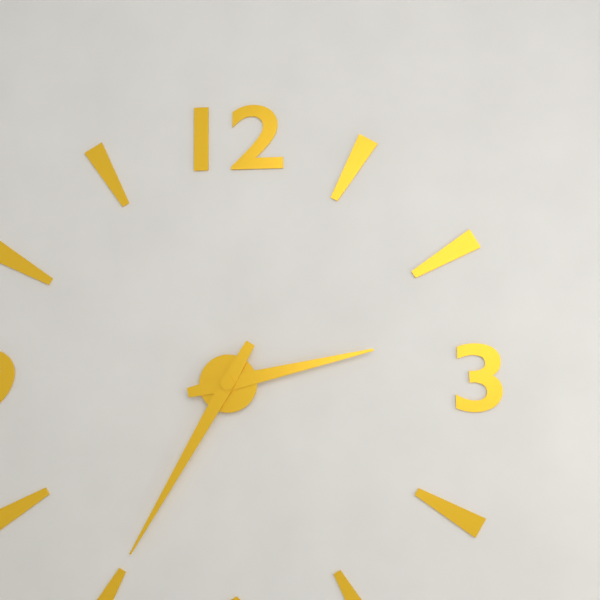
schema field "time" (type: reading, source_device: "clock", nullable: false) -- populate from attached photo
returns 2:35
